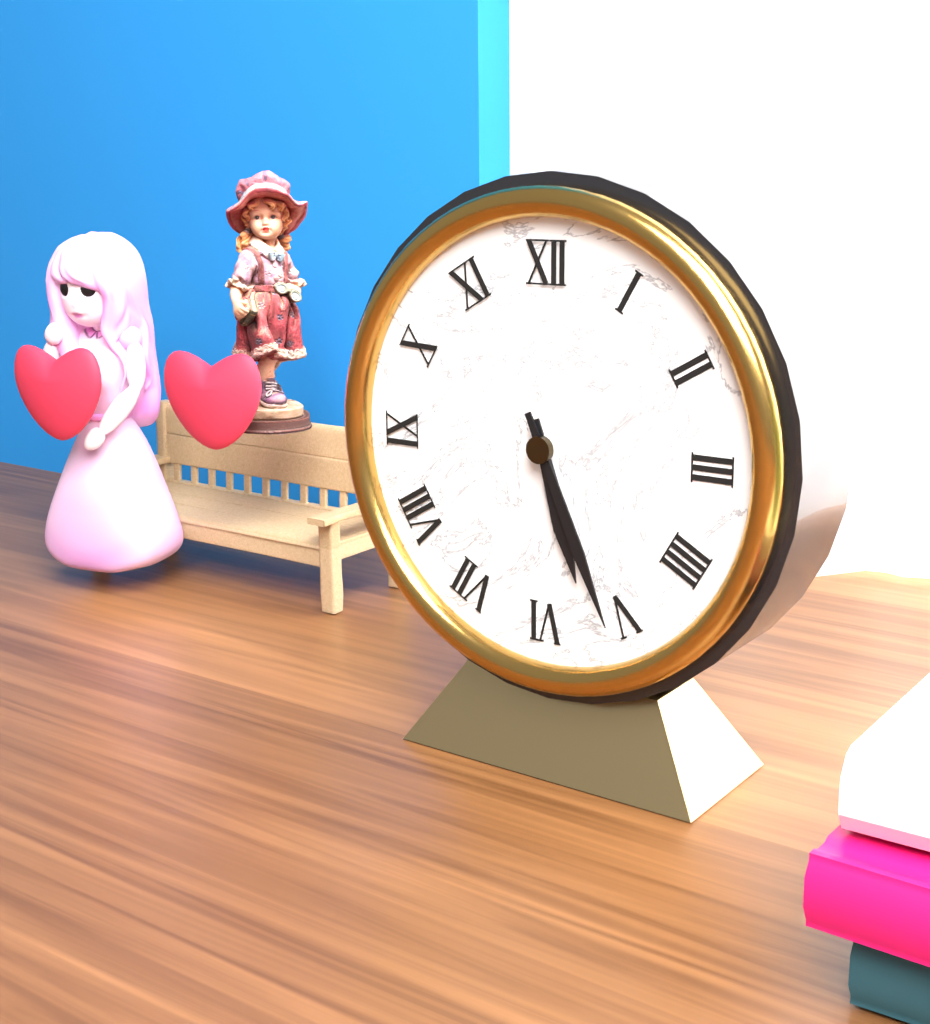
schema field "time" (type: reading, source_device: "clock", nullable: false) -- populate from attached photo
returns 5:26
